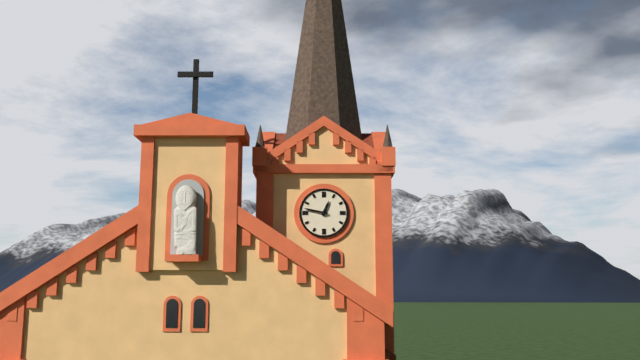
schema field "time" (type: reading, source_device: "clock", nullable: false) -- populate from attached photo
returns 12:47
